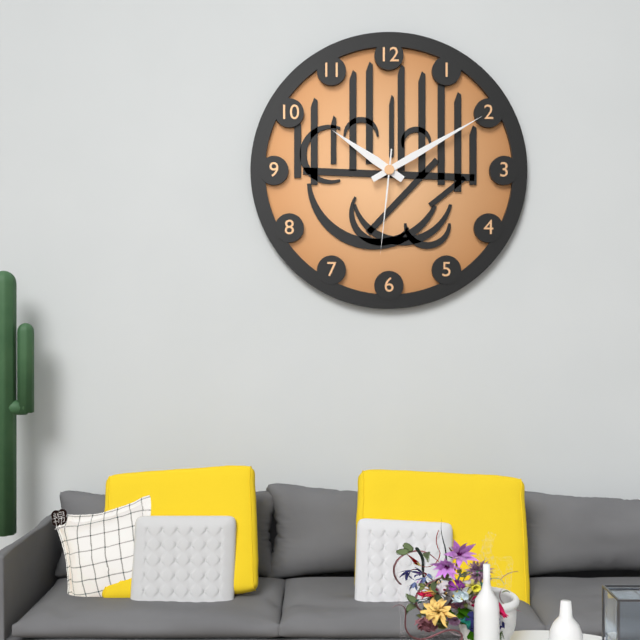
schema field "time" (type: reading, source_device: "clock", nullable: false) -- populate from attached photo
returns 10:10:31
